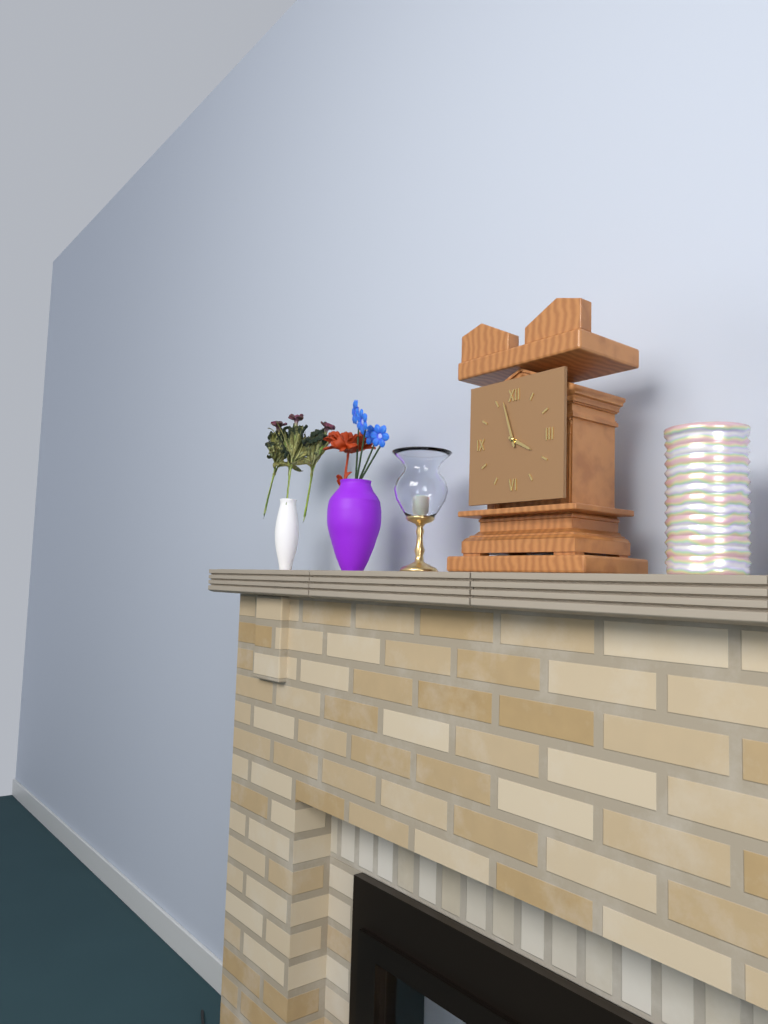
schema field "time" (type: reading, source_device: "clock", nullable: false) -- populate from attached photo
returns 3:57
